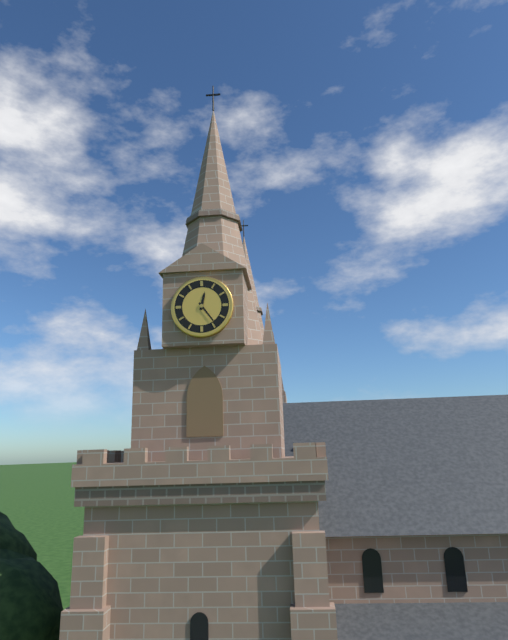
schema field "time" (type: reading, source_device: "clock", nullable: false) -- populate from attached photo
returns 12:24
